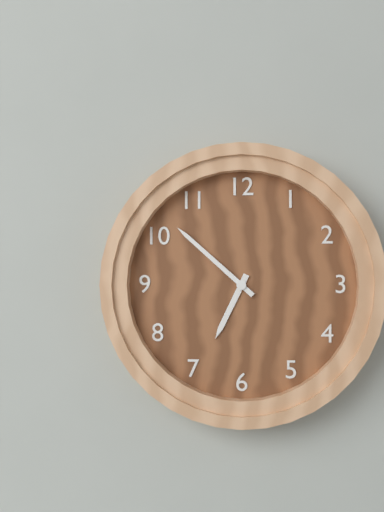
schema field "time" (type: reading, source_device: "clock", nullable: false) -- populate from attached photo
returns 6:52
